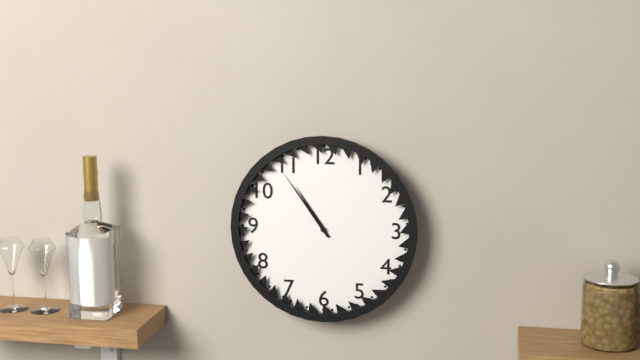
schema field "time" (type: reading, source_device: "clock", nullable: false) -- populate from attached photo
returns 10:54
